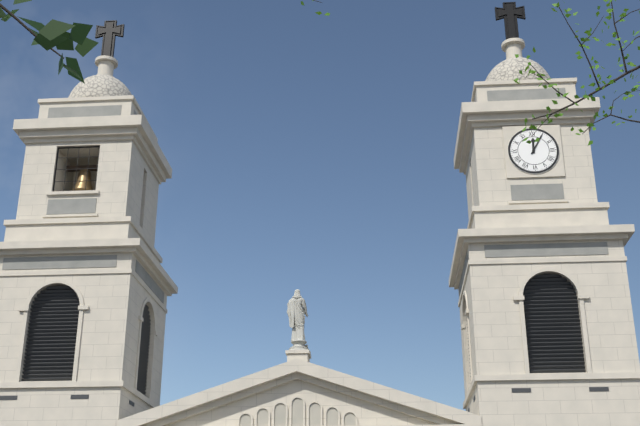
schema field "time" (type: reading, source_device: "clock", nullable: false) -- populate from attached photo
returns 12:05
